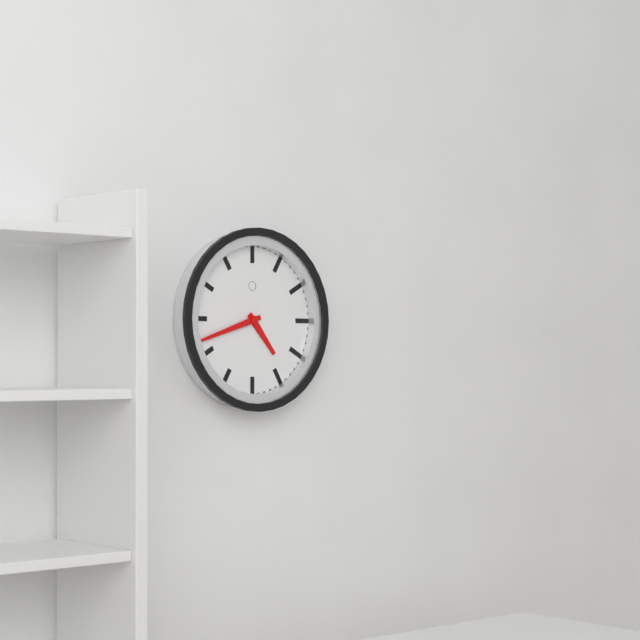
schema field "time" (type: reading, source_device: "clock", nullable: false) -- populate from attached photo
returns 4:42
